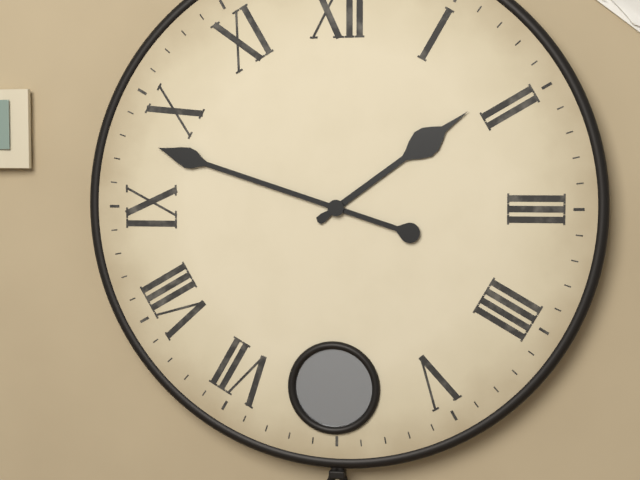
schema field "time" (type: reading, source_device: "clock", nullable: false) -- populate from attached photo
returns 1:48
